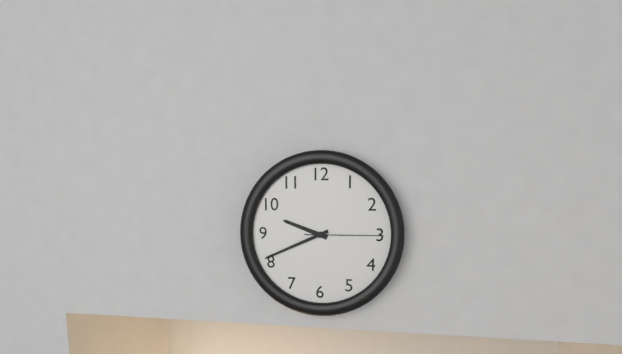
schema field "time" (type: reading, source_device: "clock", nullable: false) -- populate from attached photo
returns 9:41:15
